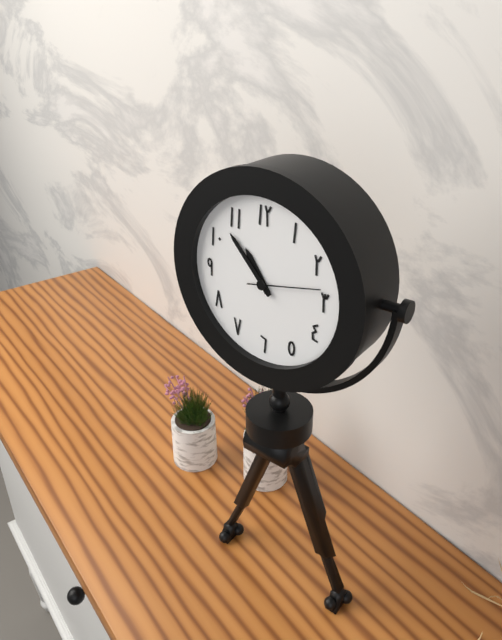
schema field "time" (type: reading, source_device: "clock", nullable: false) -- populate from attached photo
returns 10:53:13
